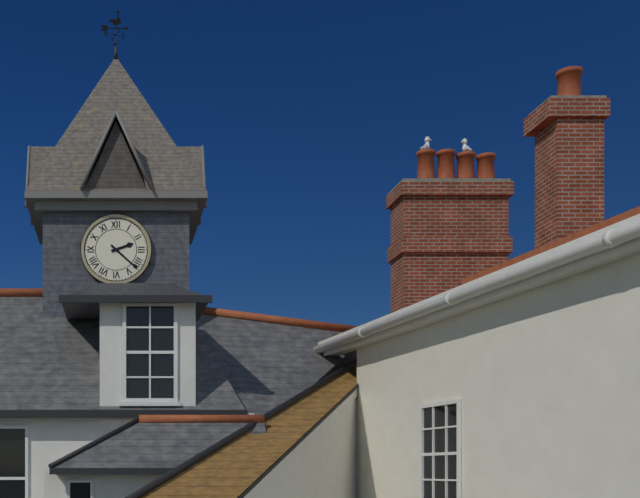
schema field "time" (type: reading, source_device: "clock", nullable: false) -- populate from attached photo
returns 2:22
